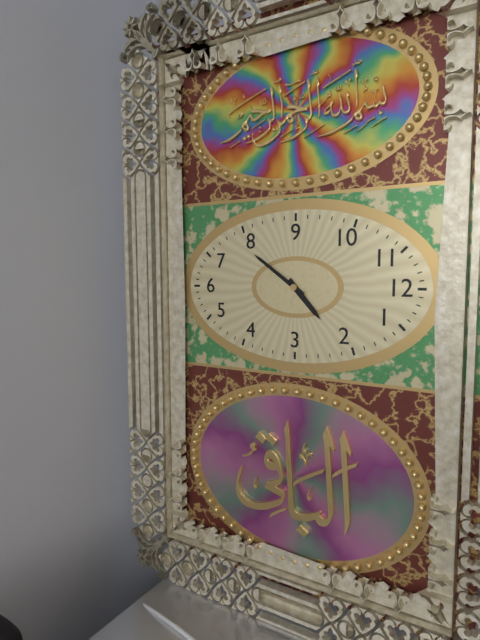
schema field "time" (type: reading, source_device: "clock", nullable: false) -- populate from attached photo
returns 1:36
